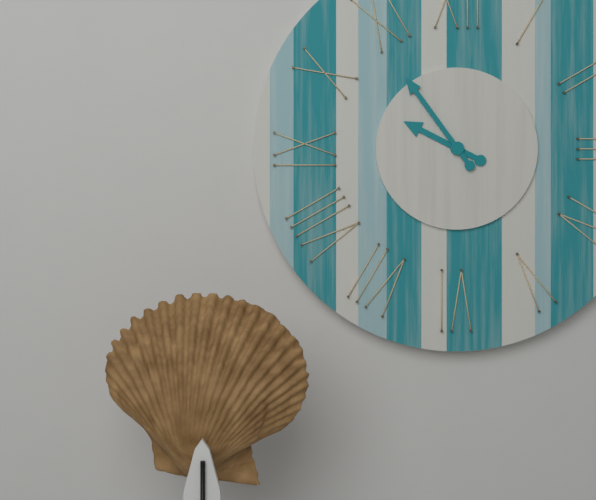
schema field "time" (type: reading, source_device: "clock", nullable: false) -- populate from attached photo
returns 9:54
